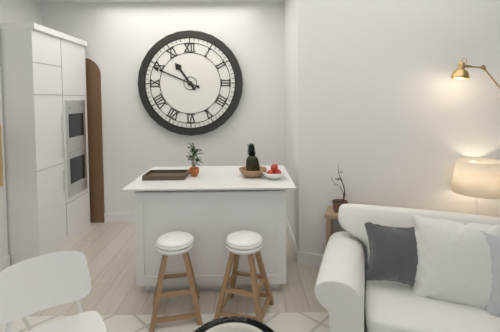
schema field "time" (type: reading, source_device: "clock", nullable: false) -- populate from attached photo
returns 10:49
